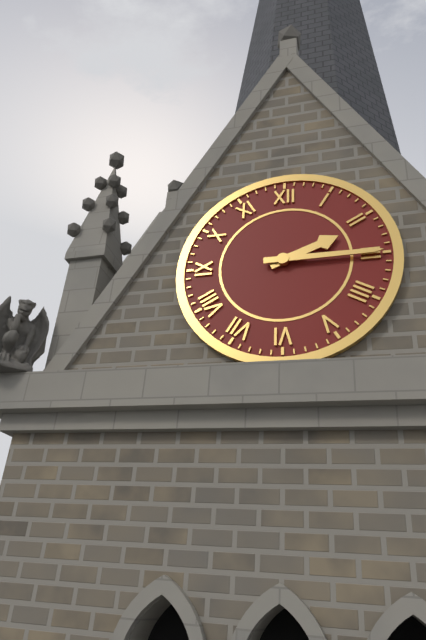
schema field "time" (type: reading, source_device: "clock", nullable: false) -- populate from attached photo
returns 2:15
